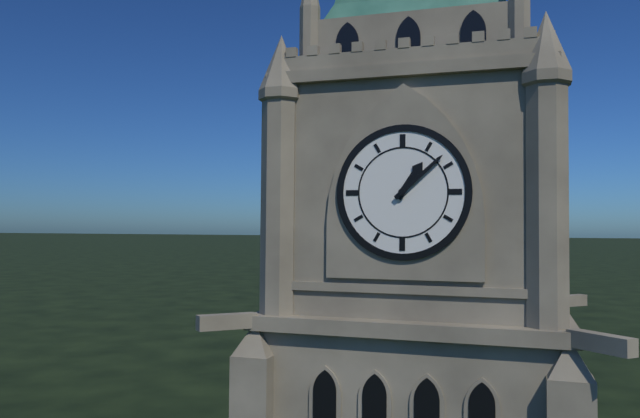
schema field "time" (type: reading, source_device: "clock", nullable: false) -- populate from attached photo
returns 1:08
